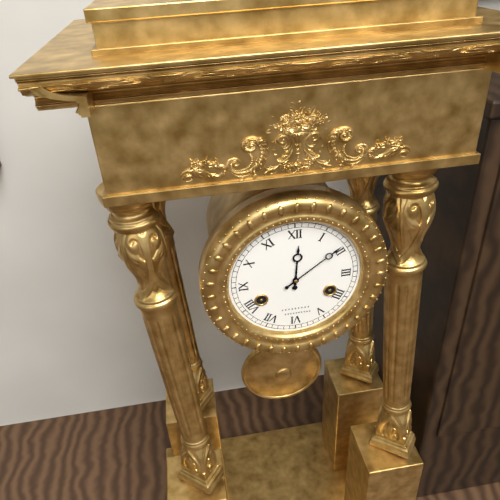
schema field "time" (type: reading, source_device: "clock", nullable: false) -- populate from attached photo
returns 12:09
